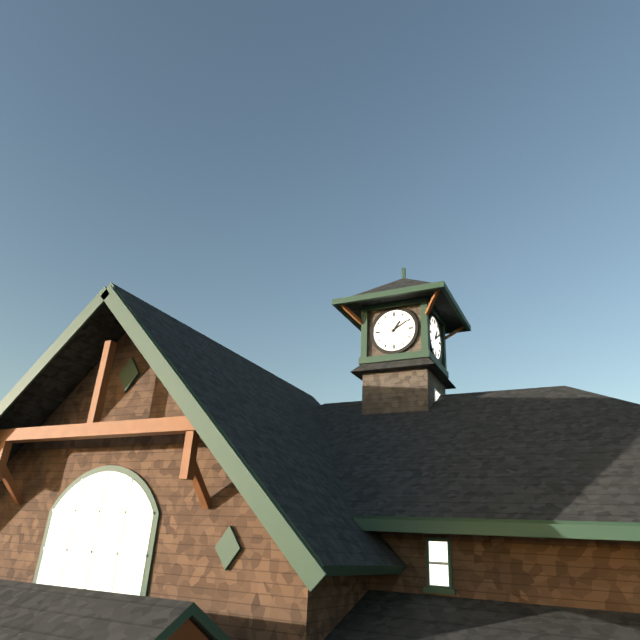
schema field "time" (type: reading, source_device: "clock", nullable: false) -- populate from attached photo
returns 1:10
